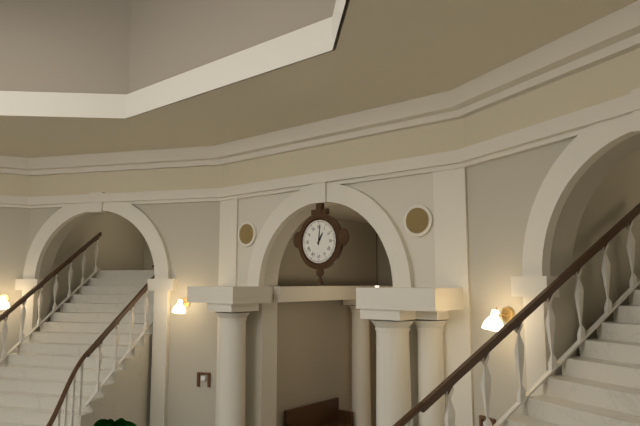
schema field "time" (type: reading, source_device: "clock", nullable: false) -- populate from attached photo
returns 1:01
